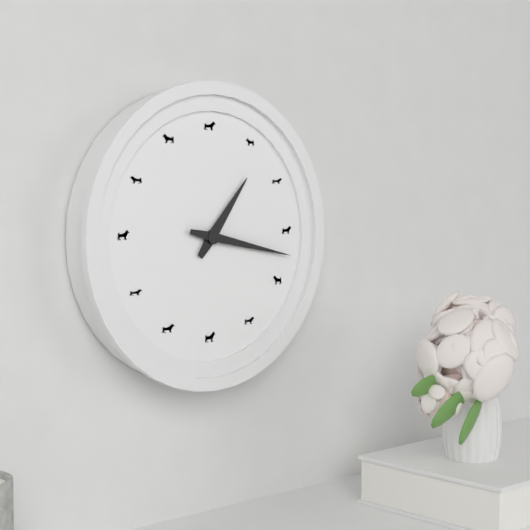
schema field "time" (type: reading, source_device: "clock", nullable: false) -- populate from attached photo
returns 1:17
